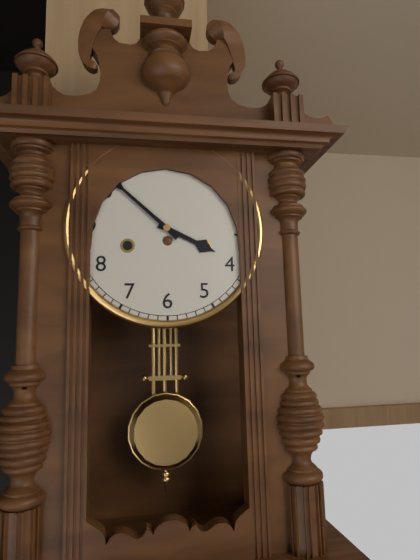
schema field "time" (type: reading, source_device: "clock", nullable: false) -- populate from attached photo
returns 3:52
